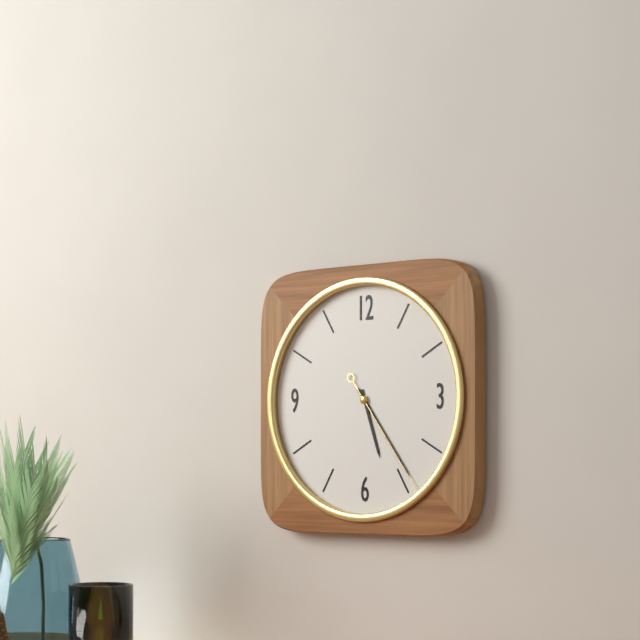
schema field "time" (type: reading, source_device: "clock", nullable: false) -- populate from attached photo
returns 5:24:24
